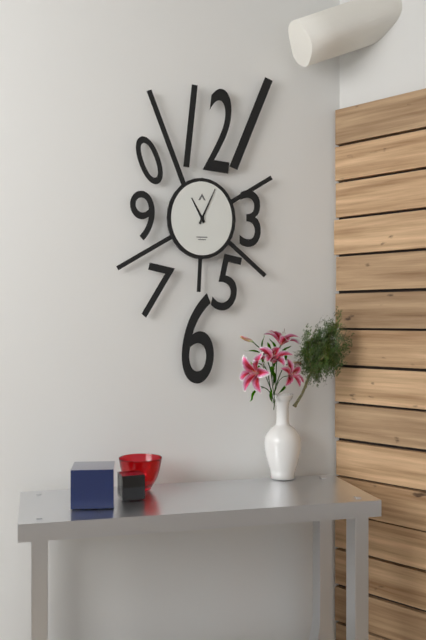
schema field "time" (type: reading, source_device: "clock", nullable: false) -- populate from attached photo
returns 11:04
